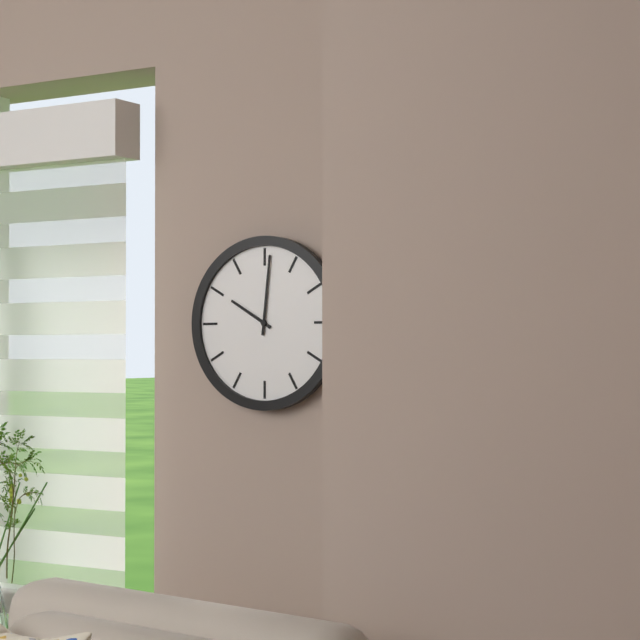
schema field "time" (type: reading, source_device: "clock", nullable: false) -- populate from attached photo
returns 10:01
